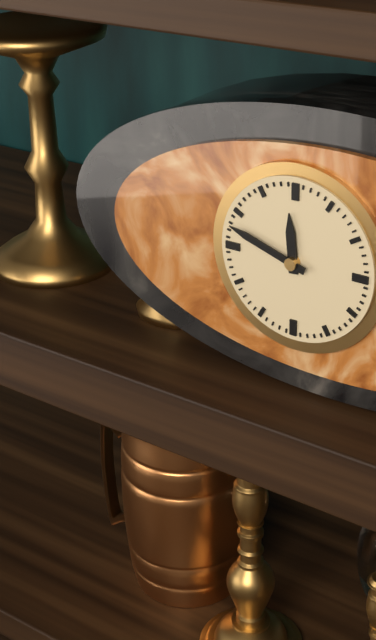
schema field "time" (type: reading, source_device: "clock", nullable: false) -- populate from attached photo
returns 11:48
